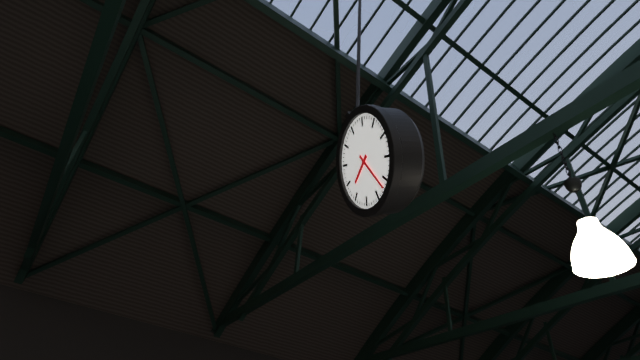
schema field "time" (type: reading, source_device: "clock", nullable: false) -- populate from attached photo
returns 8:27
